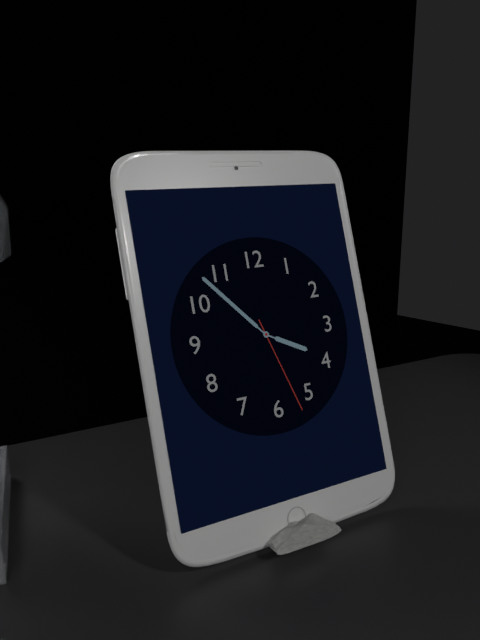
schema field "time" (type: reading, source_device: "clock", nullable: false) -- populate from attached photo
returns 3:53:27
